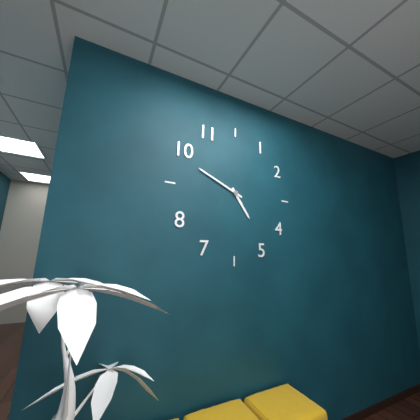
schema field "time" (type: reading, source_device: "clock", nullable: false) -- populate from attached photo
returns 4:49
